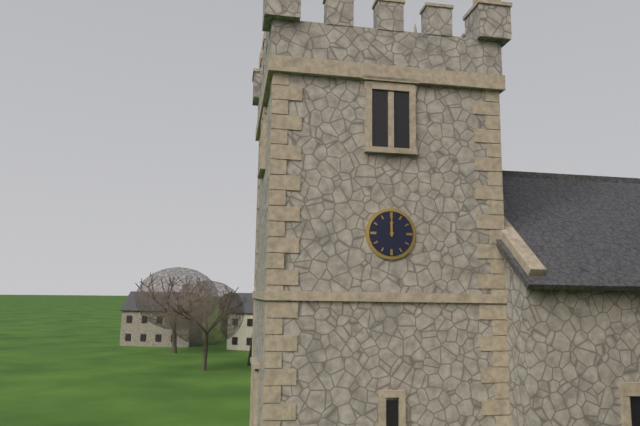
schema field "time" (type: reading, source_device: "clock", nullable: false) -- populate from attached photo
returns 12:00
